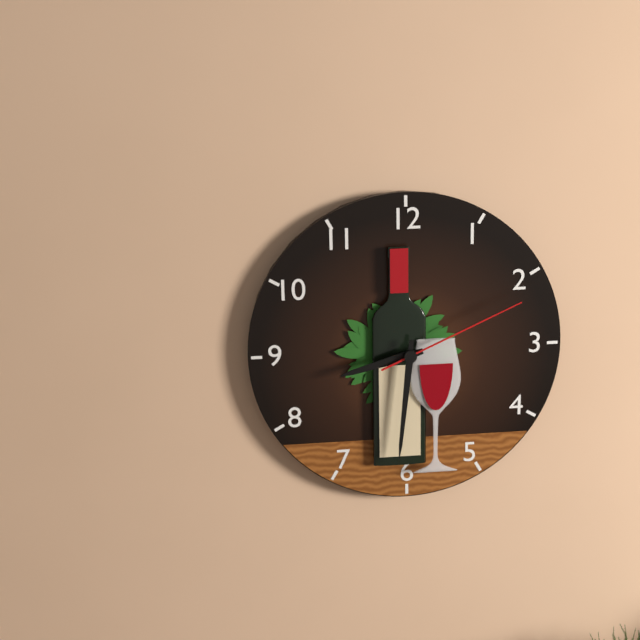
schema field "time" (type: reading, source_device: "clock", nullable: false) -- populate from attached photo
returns 8:31:11
